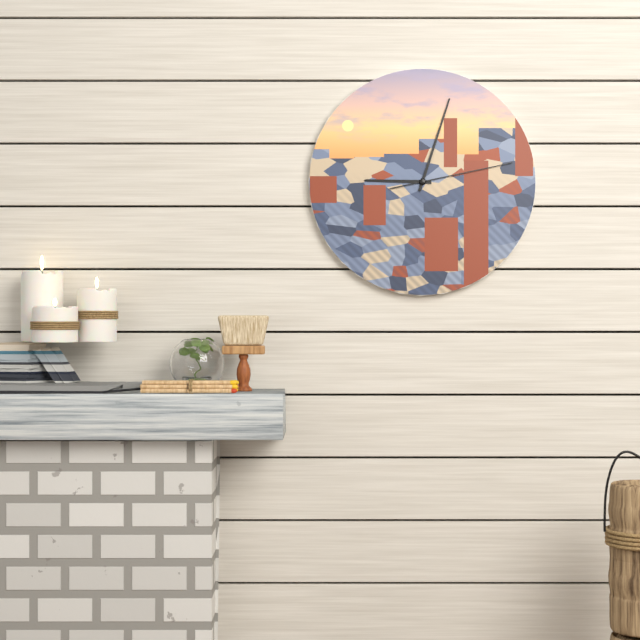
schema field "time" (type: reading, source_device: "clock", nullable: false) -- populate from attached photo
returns 9:03:13
